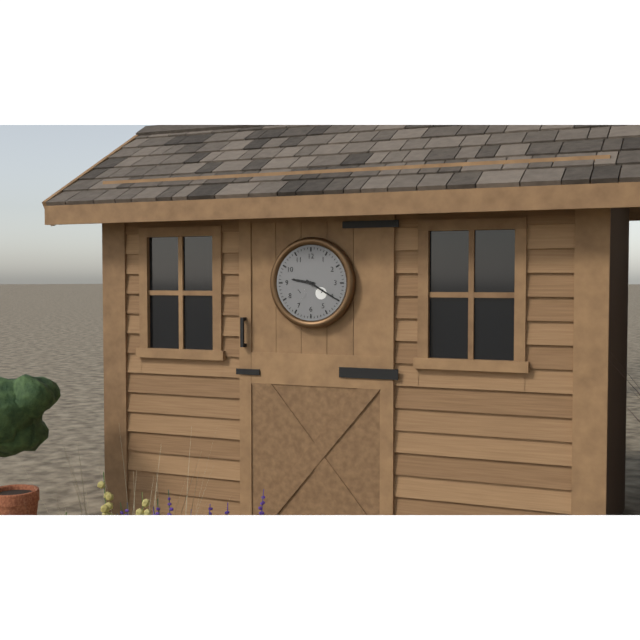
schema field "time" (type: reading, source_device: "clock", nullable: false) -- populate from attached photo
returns 9:20
